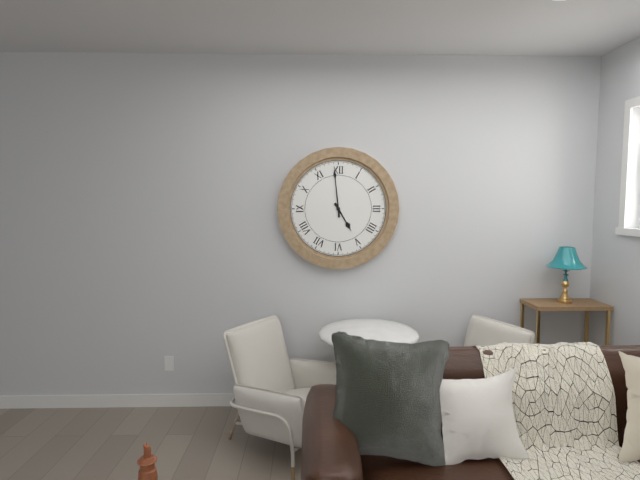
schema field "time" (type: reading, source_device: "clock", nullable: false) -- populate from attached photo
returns 4:59
